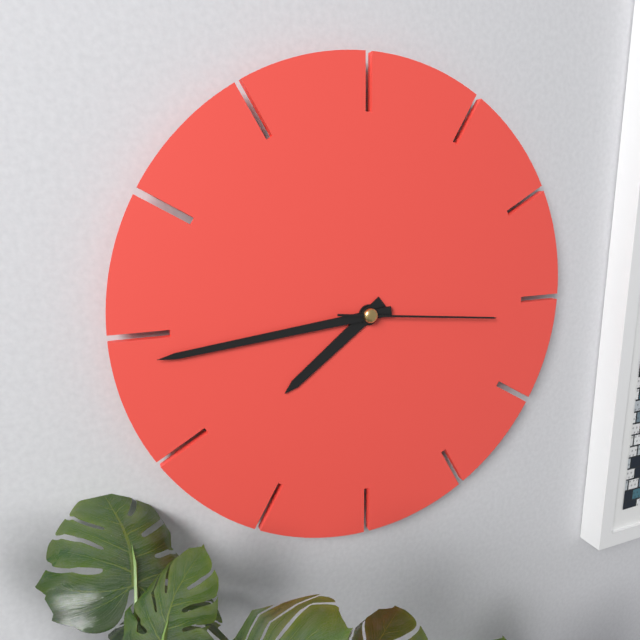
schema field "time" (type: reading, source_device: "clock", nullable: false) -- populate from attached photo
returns 7:44:16
